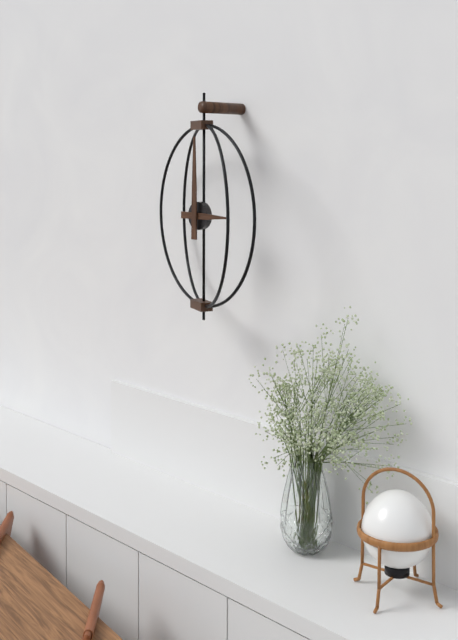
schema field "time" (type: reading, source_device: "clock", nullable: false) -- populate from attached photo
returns 3:00
